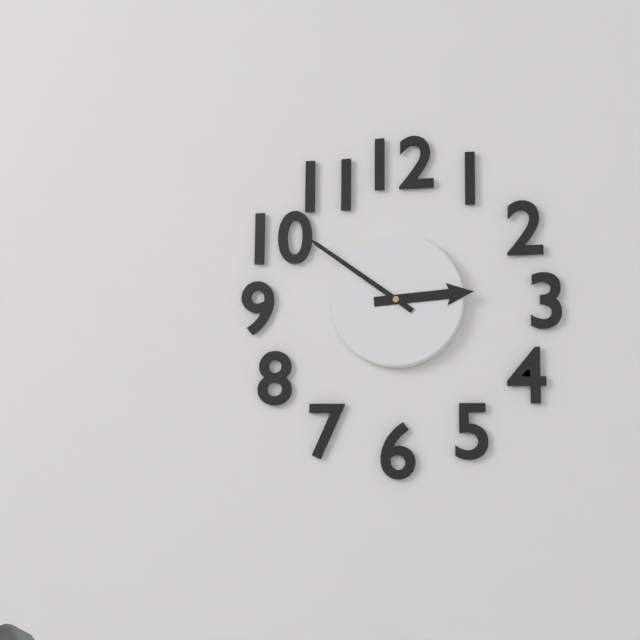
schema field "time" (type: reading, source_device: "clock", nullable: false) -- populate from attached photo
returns 2:51
